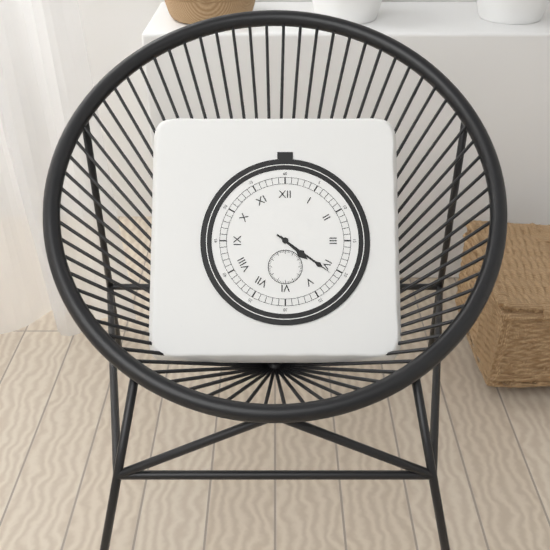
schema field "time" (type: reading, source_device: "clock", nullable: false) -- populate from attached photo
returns 4:21
